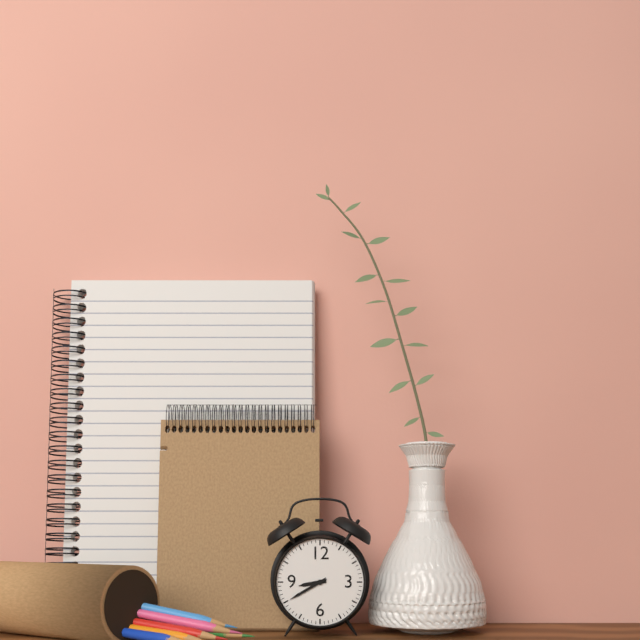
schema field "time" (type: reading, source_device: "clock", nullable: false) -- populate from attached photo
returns 8:40
